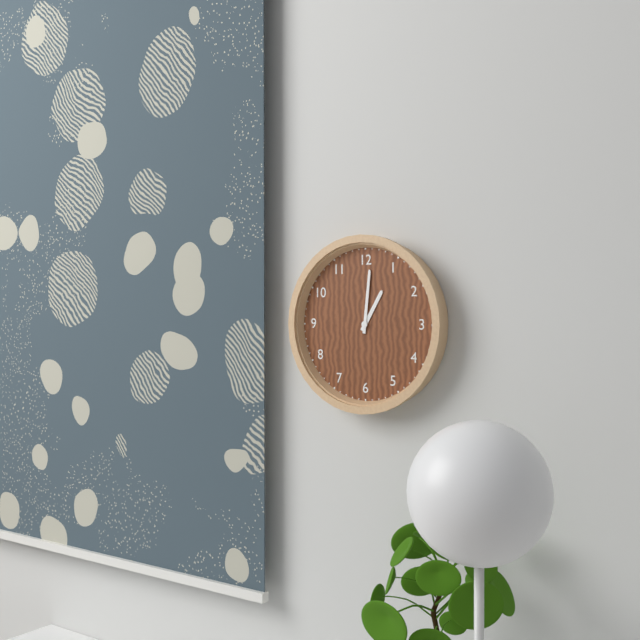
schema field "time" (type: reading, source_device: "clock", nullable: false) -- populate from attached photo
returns 1:01
